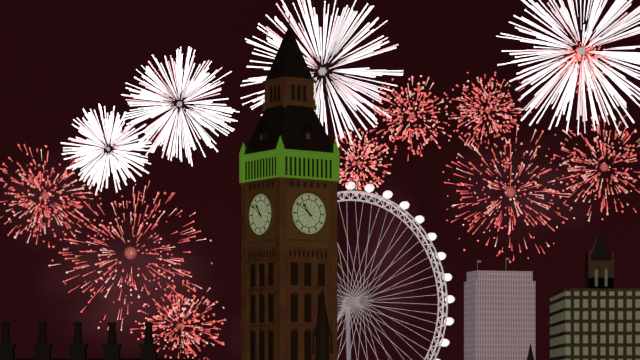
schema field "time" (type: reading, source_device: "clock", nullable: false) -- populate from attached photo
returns 10:51
